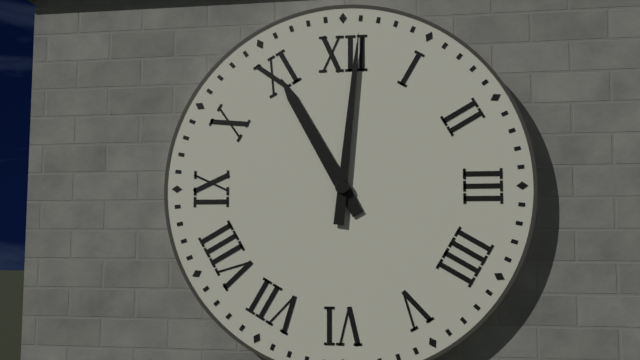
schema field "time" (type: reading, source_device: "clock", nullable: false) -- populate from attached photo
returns 11:01
